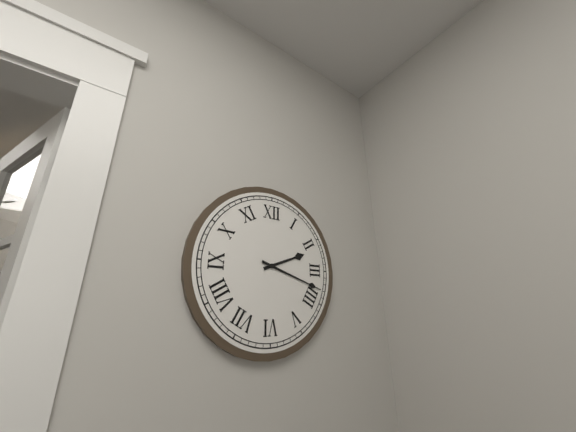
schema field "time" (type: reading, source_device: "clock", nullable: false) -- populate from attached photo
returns 2:18
